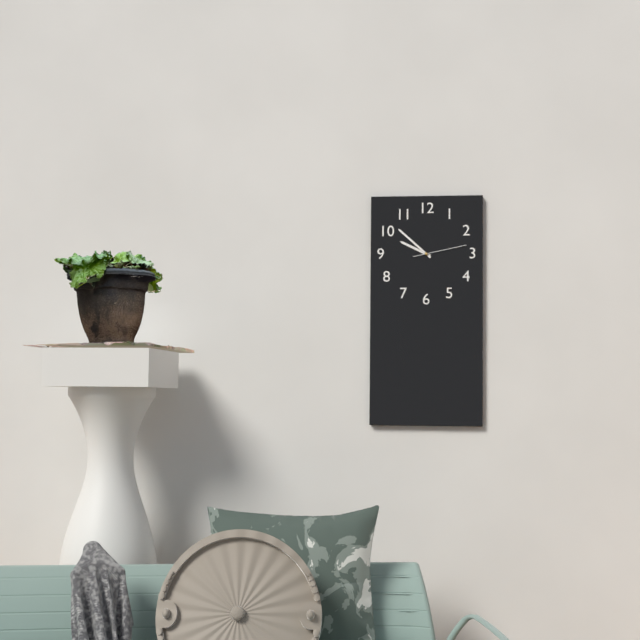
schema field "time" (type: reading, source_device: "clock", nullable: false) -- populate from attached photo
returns 9:52:13
